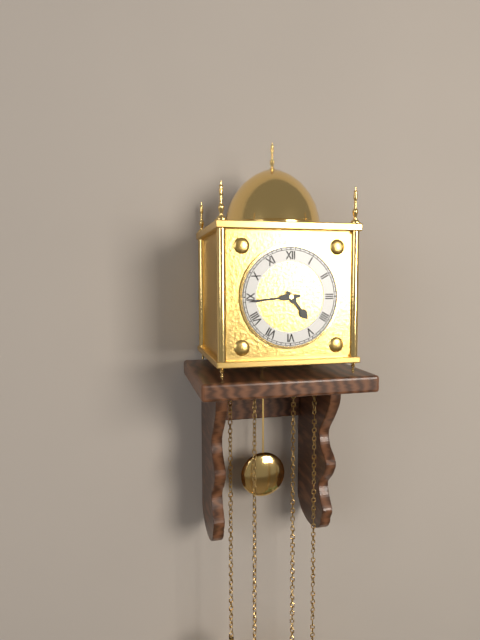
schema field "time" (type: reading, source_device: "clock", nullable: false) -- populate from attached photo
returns 4:44
